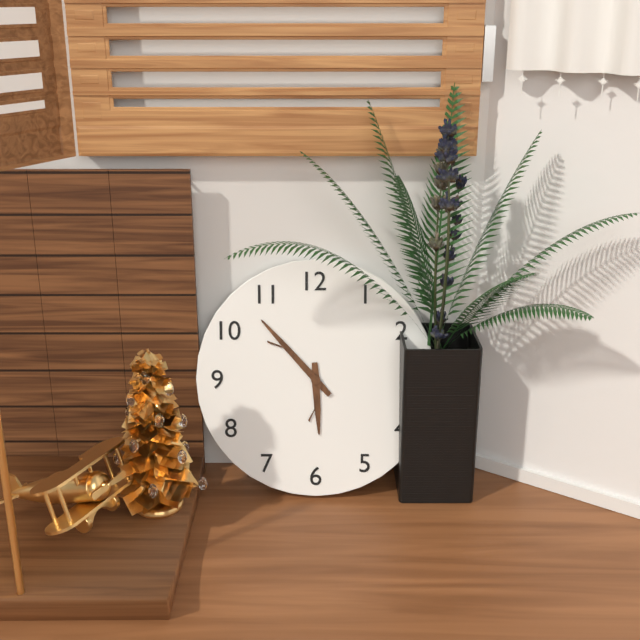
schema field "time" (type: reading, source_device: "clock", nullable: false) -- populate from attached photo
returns 5:53
